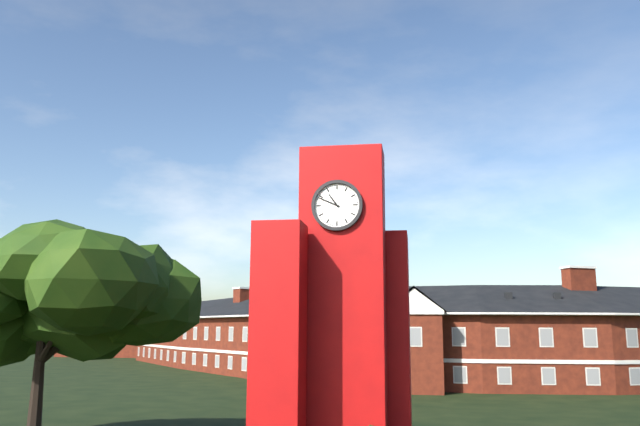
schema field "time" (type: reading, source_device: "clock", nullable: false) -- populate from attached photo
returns 10:49
